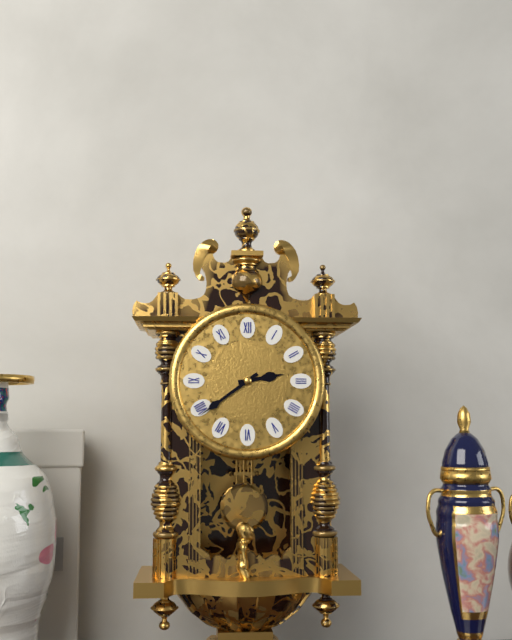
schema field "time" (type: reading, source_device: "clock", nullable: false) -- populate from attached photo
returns 2:39
